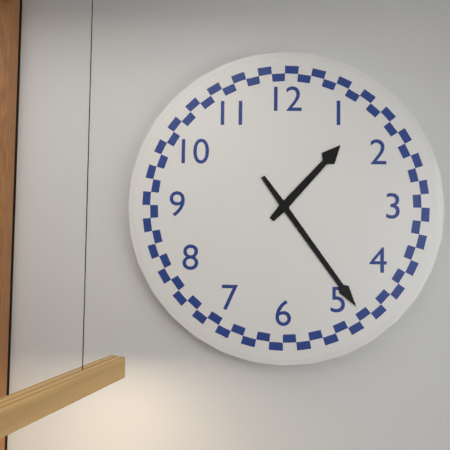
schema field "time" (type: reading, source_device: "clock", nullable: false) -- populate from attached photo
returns 1:24
